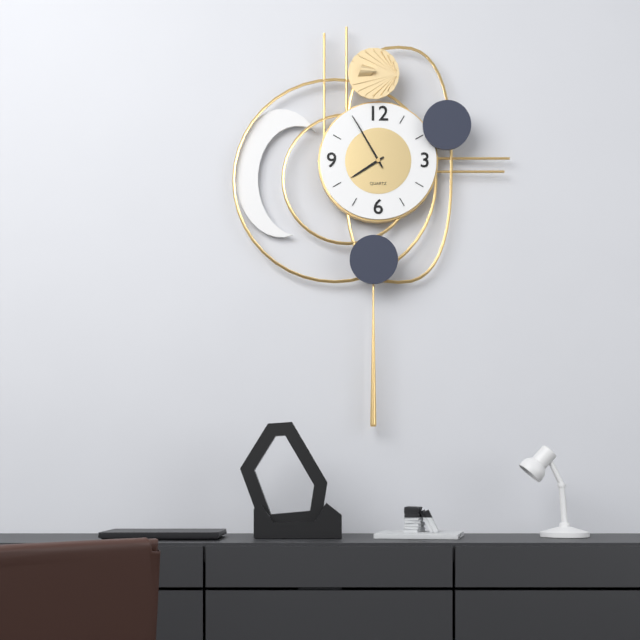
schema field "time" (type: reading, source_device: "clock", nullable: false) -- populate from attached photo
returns 7:55
